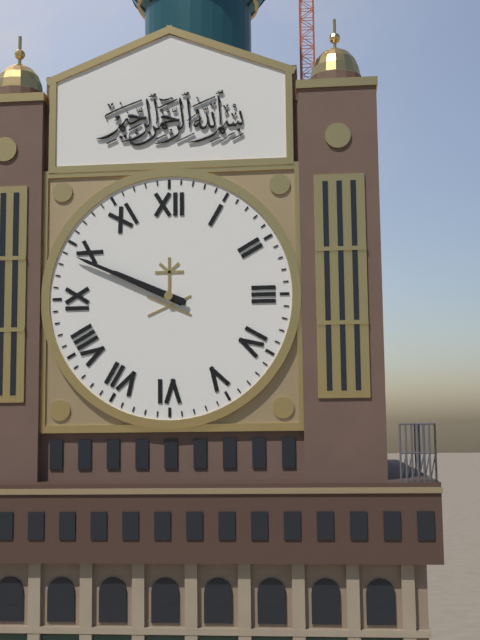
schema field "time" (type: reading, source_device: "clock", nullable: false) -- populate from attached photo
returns 9:49
